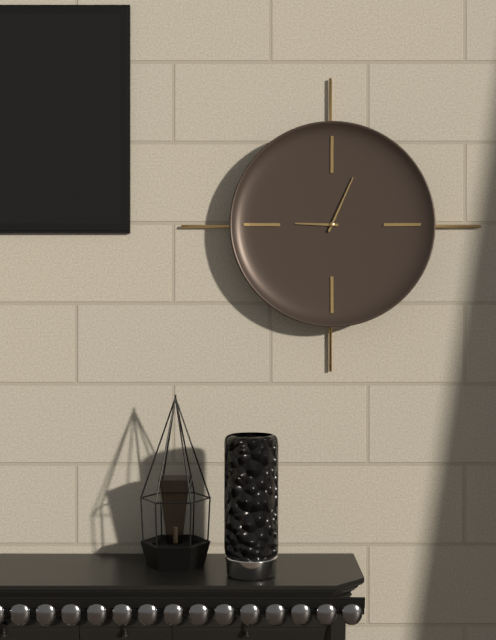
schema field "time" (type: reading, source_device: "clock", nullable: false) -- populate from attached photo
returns 9:04
